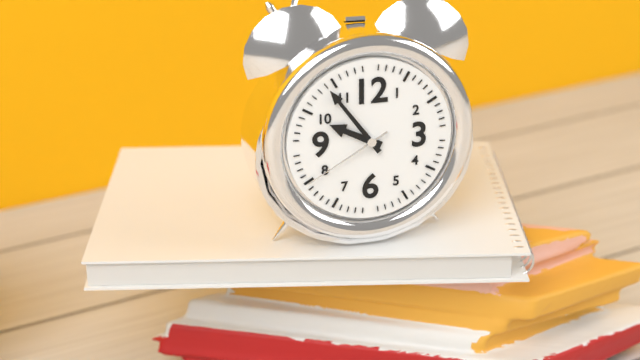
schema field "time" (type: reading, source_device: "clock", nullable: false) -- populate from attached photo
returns 9:54:40
